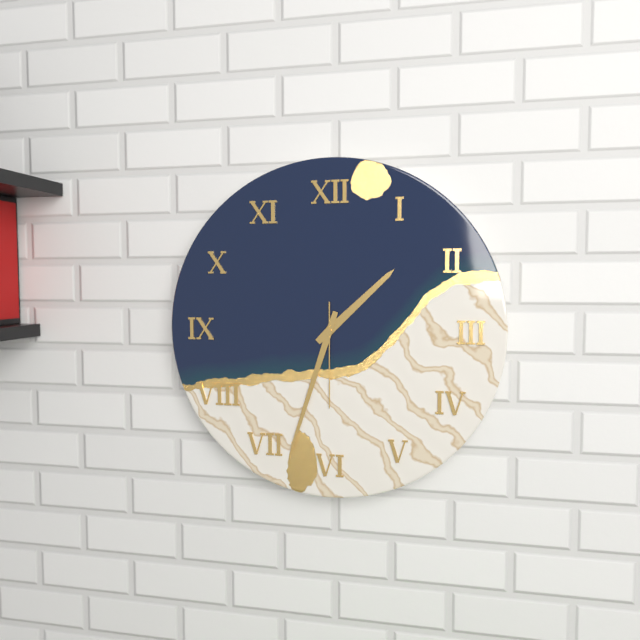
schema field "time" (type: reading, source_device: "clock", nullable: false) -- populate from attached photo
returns 1:33:30
